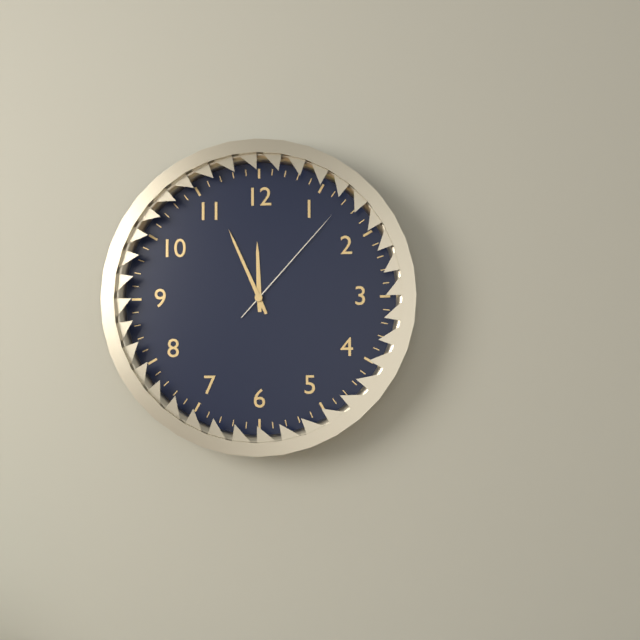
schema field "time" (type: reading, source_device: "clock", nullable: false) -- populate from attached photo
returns 11:56:07
